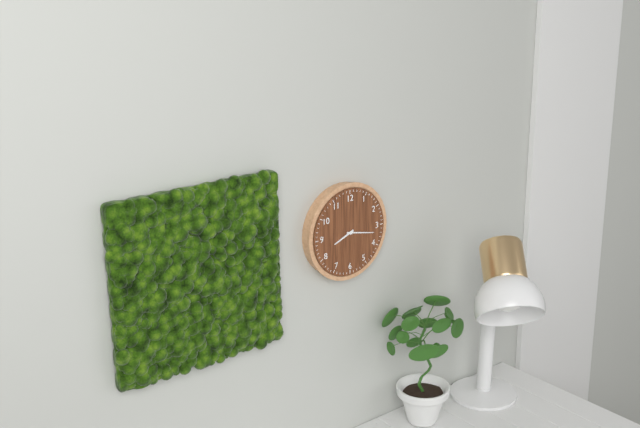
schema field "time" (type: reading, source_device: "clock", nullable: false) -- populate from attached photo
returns 8:17
